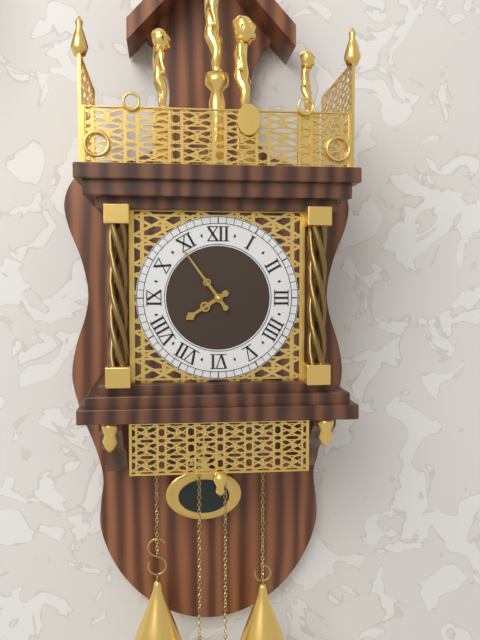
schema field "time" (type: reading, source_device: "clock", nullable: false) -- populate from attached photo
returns 7:54
